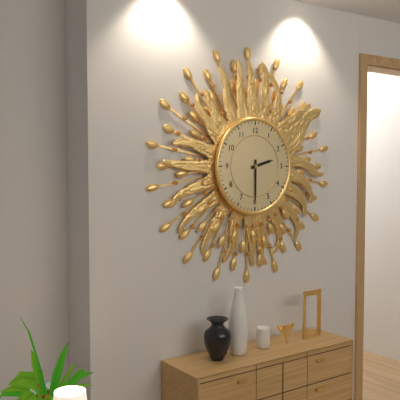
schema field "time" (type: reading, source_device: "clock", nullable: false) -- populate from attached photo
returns 2:30
